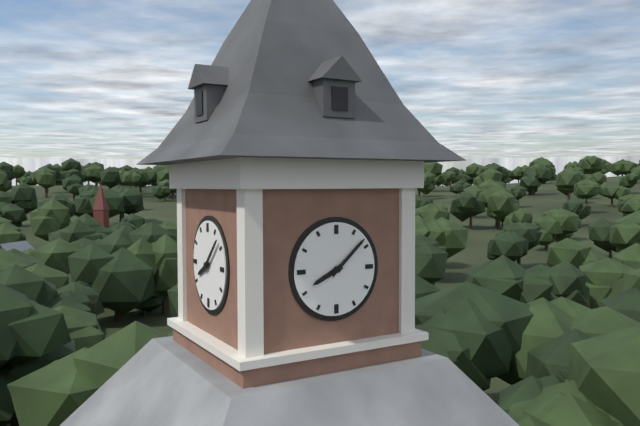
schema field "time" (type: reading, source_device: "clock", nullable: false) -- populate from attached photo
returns 8:08
